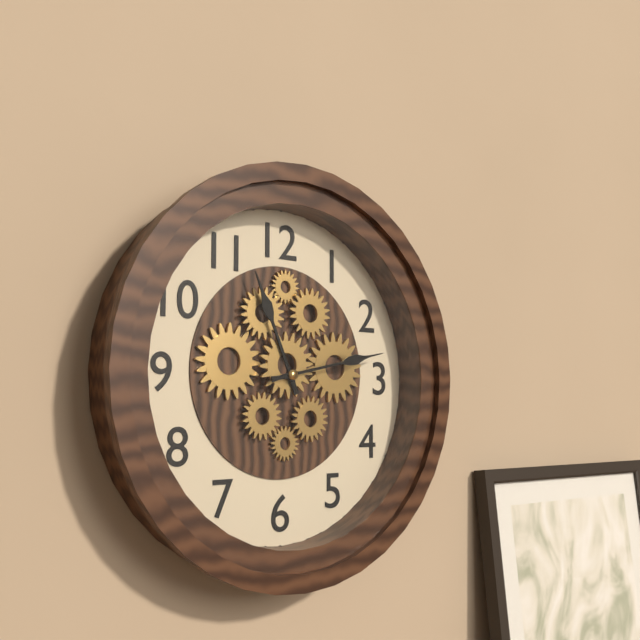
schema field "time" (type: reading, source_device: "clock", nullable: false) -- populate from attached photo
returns 11:13
